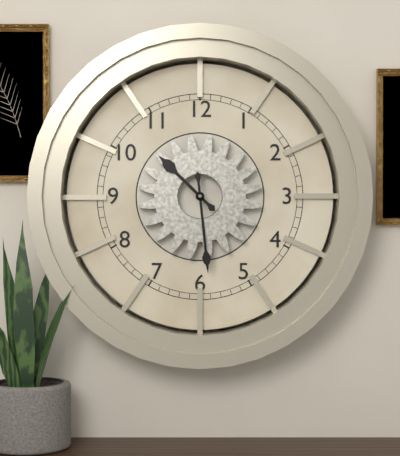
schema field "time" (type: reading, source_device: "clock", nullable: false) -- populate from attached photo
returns 10:29
